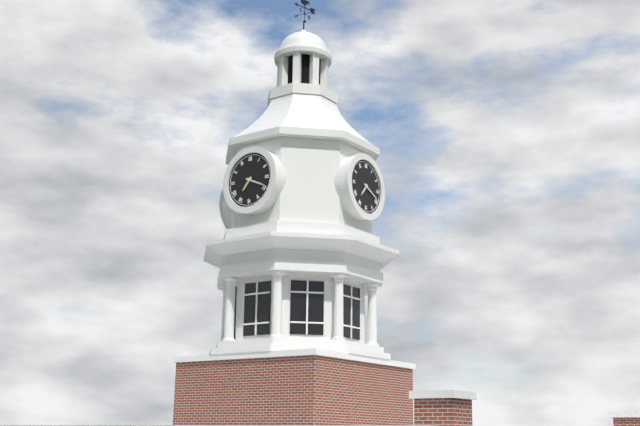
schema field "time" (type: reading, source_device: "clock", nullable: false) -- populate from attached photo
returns 7:19
